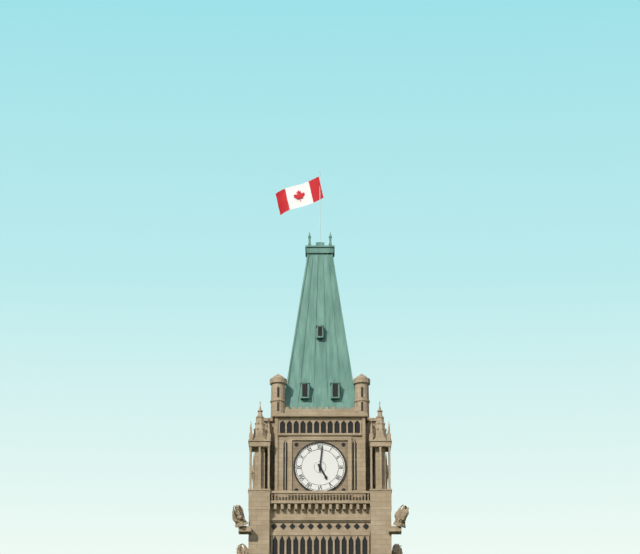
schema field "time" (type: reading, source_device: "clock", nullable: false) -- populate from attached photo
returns 5:01
